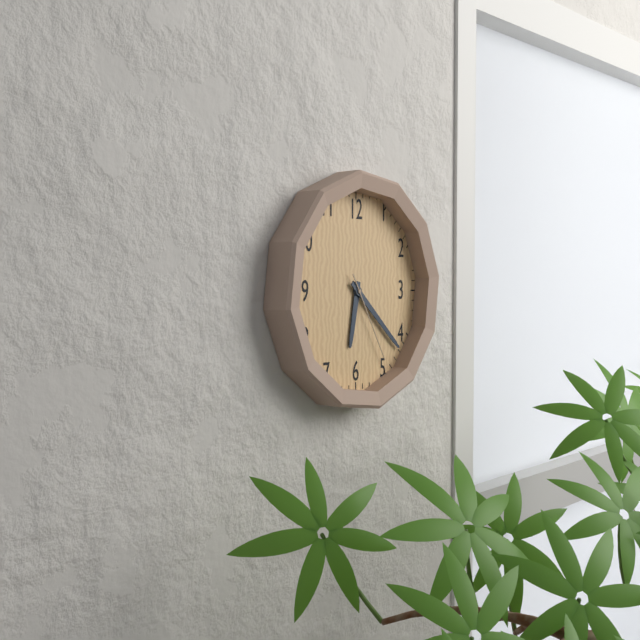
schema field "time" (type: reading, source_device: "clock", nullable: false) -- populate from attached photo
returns 6:22:25
